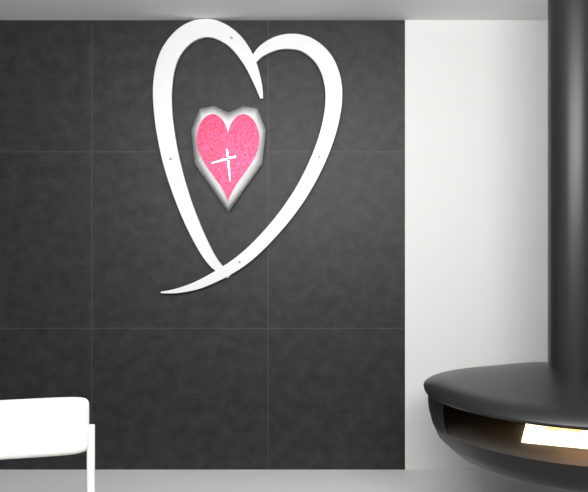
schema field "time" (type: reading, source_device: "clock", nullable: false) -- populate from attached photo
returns 8:29
